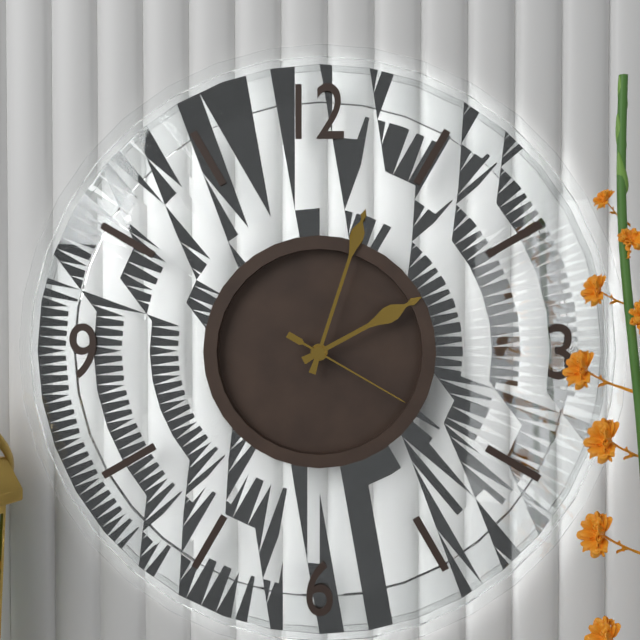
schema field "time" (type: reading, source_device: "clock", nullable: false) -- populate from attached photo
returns 2:03:20
